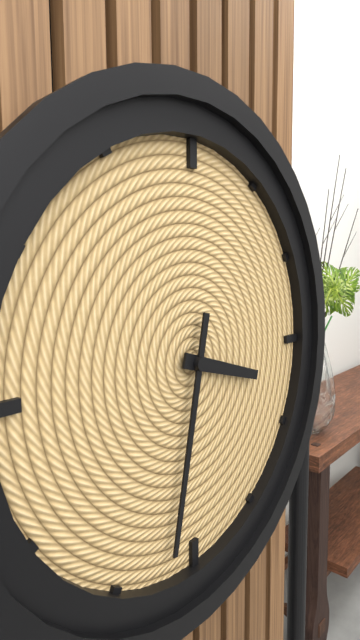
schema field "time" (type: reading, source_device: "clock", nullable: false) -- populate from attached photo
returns 3:32
